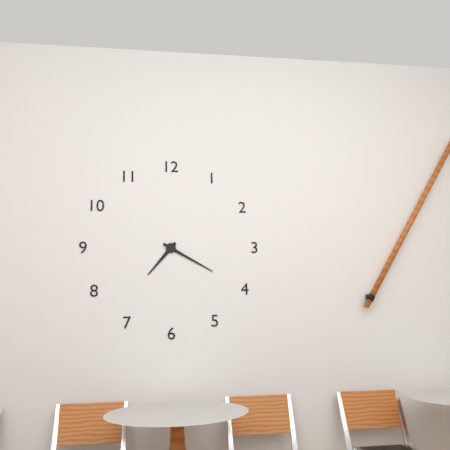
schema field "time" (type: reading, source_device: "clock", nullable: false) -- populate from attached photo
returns 7:20
